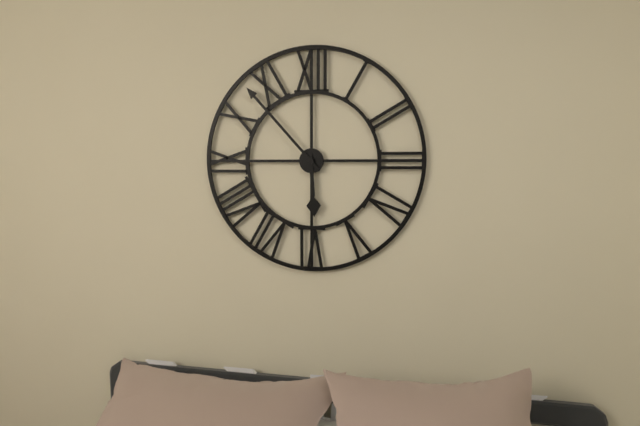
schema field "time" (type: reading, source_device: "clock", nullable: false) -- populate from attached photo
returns 5:53
